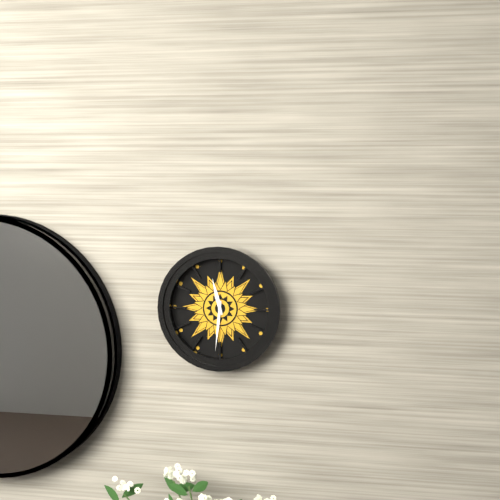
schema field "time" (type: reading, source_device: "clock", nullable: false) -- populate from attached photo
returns 11:31
